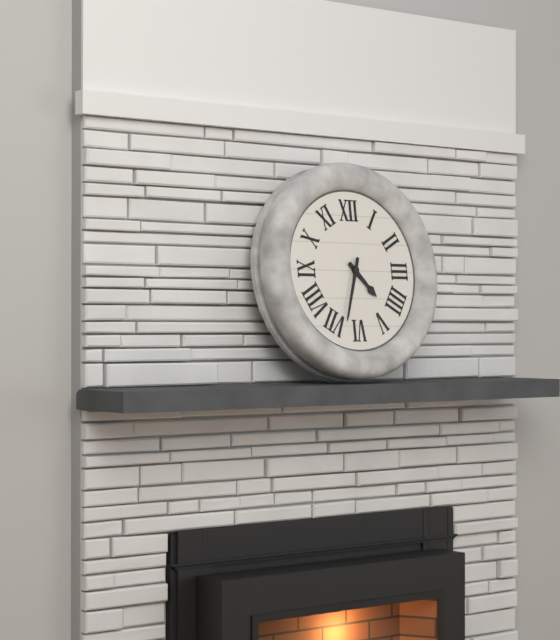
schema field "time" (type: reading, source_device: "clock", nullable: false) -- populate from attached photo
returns 4:33
